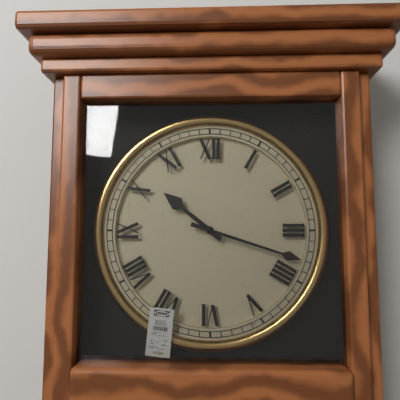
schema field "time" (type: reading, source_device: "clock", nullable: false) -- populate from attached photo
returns 10:18
